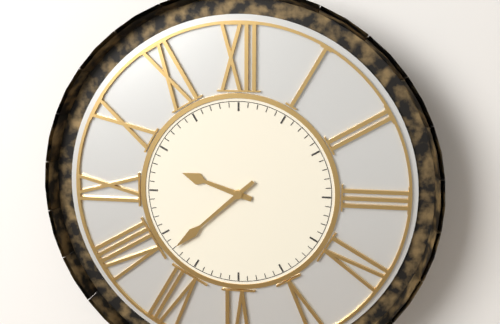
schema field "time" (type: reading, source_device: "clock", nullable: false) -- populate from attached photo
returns 9:38
